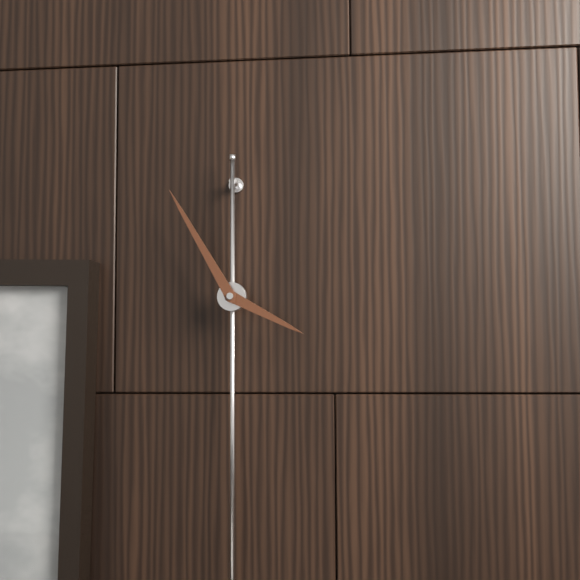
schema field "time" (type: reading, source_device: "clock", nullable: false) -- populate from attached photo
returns 3:55
